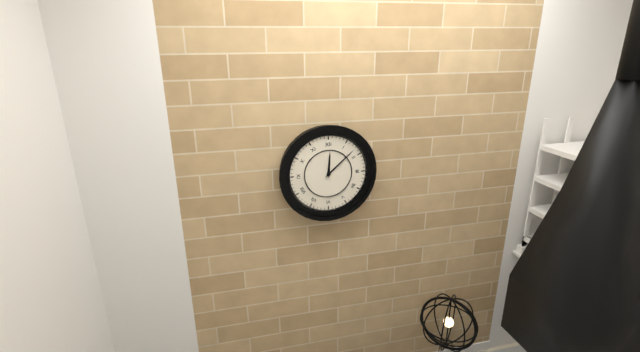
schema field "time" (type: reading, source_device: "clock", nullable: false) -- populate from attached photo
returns 12:08
